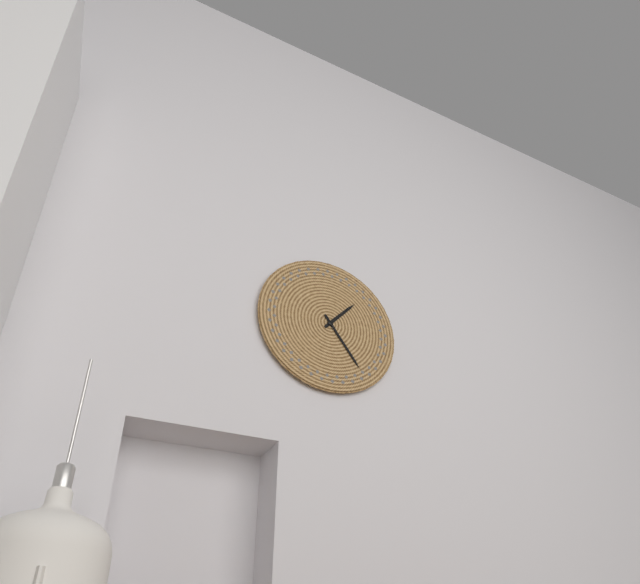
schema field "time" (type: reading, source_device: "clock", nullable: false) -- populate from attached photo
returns 1:24
